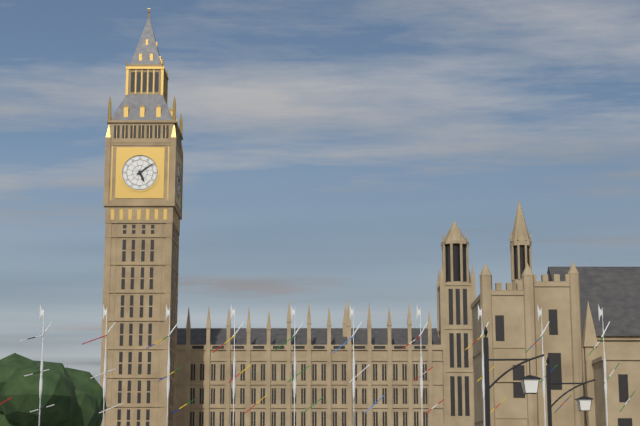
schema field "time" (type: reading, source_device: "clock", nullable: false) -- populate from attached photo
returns 5:09
